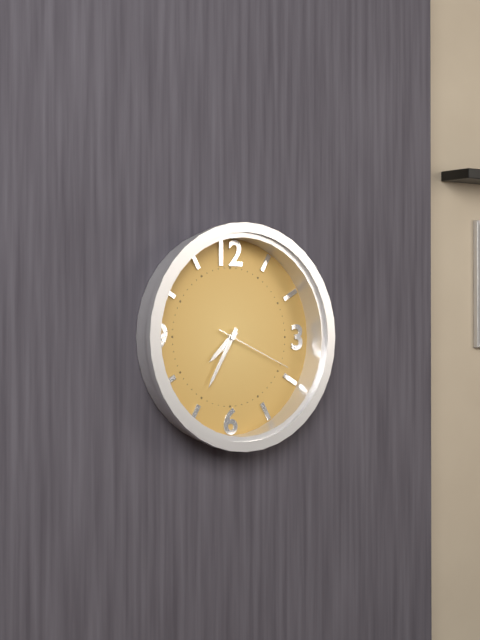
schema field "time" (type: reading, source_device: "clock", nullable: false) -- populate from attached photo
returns 7:35:19
